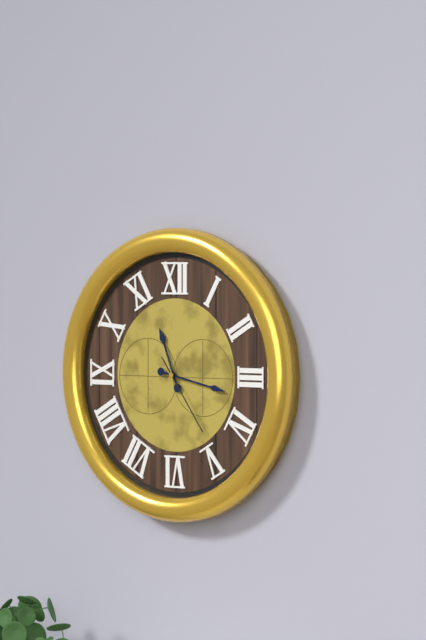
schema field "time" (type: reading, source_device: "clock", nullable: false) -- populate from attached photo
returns 11:17:24
